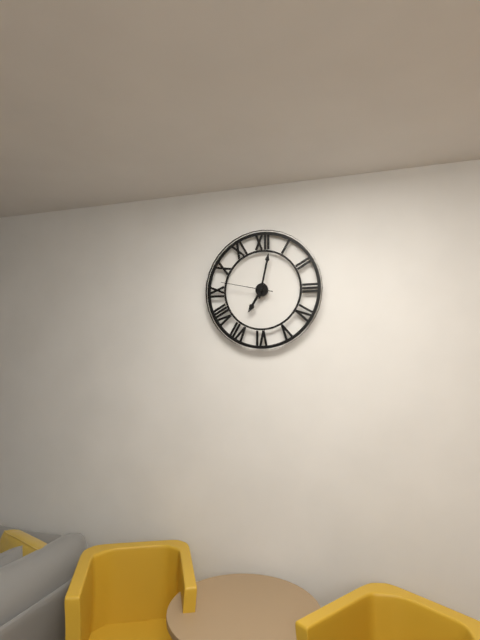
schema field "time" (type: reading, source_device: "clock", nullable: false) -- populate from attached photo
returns 7:02:47
